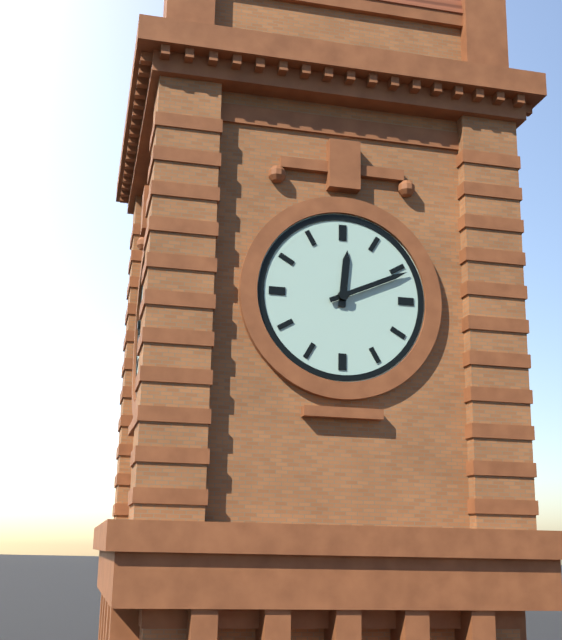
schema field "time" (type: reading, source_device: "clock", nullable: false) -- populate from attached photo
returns 12:11
